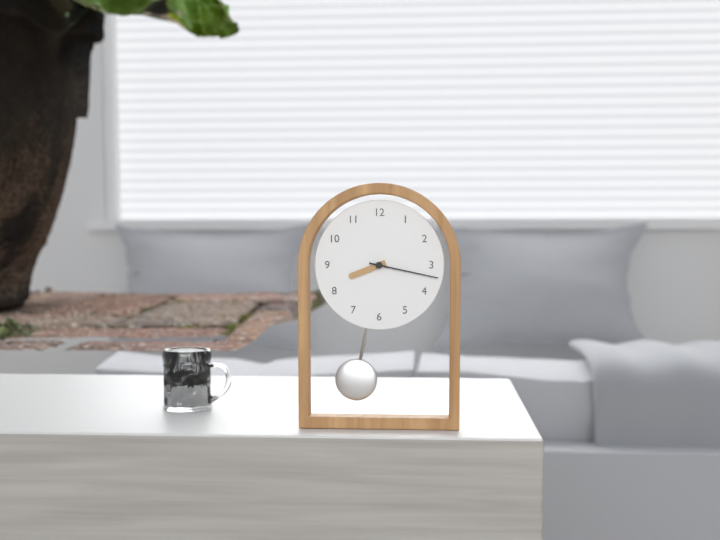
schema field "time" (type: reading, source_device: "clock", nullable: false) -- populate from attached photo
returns 8:17
